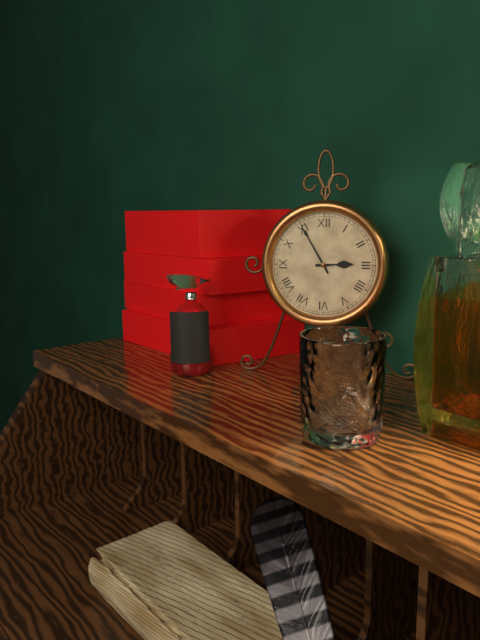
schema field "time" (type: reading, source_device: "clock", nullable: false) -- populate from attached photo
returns 2:55
